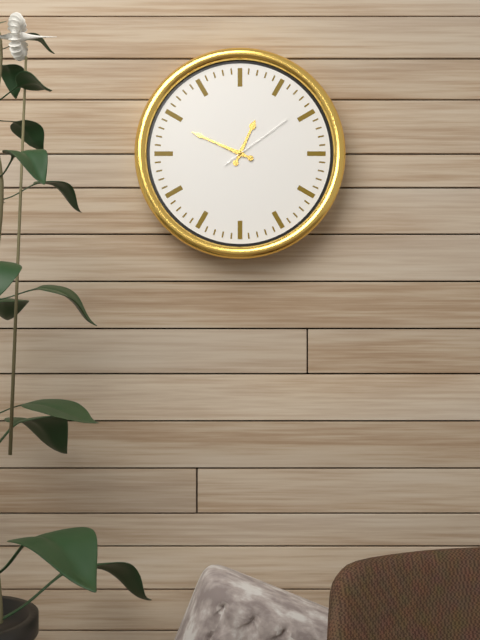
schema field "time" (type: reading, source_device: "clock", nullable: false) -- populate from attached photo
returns 12:49:09
